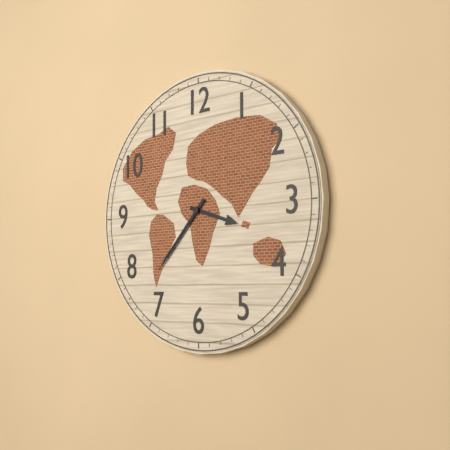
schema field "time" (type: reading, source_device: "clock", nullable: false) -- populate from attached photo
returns 3:37
